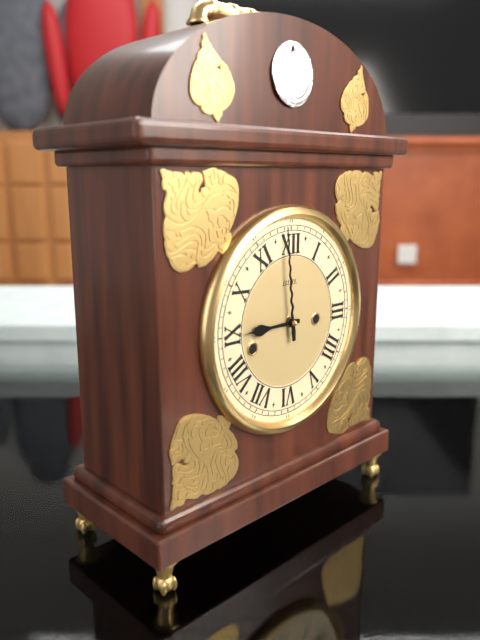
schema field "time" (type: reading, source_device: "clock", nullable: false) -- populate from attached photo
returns 8:59
